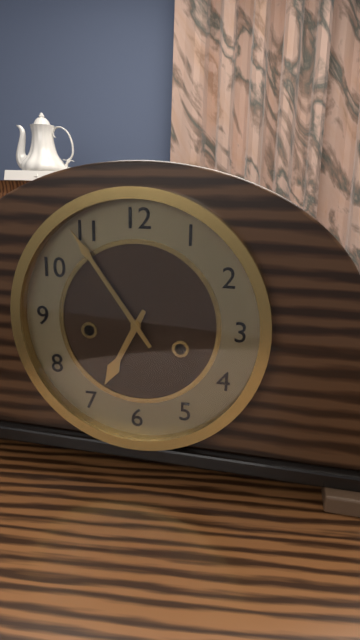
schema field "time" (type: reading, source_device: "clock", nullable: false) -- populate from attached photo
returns 6:54
